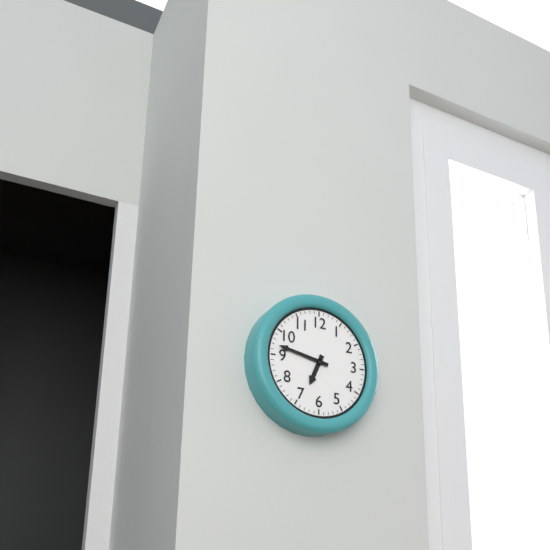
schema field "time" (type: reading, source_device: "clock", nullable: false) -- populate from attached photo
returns 6:47
